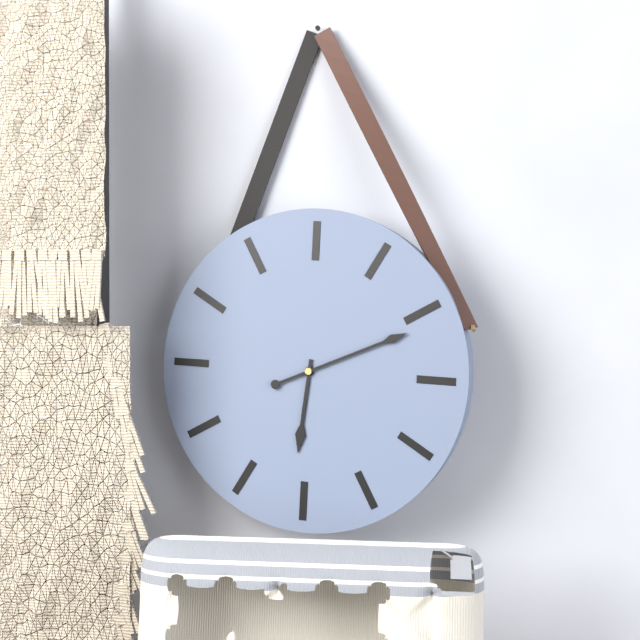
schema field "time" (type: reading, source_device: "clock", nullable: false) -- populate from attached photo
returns 6:11
